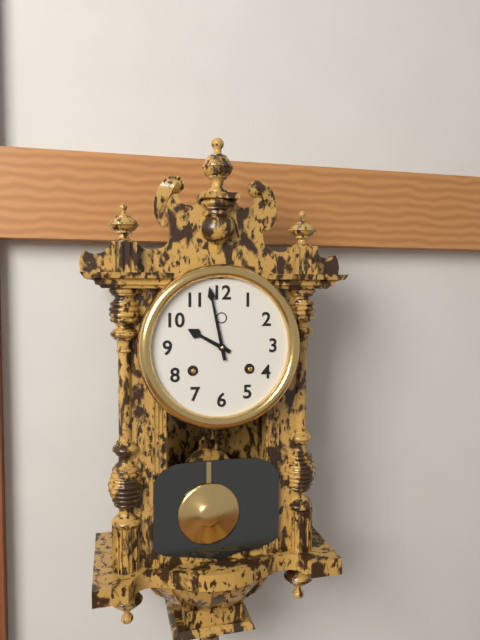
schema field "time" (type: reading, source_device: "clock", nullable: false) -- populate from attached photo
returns 9:58
